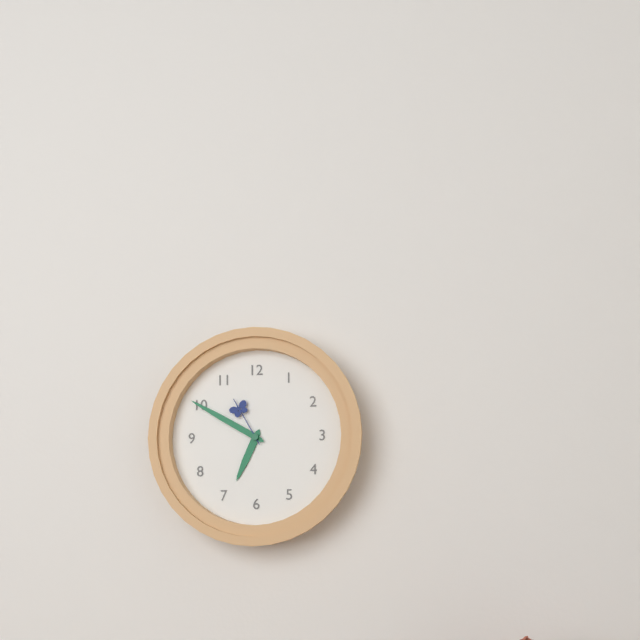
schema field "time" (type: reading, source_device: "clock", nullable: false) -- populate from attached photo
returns 6:50:55
